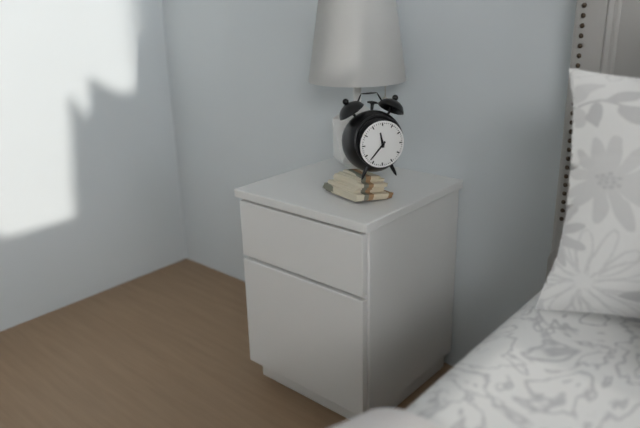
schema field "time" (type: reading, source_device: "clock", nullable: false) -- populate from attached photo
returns 11:37
